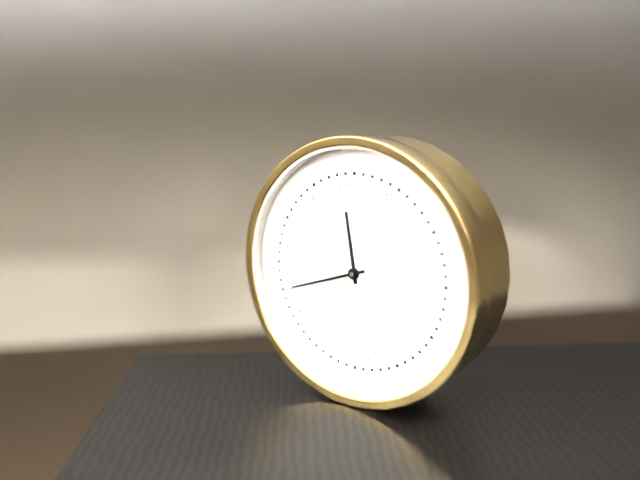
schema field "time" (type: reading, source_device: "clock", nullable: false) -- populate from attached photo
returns 11:42
